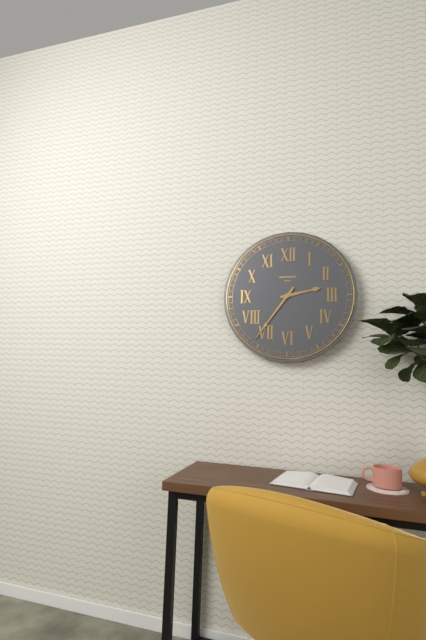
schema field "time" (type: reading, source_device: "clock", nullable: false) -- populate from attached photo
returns 2:36
